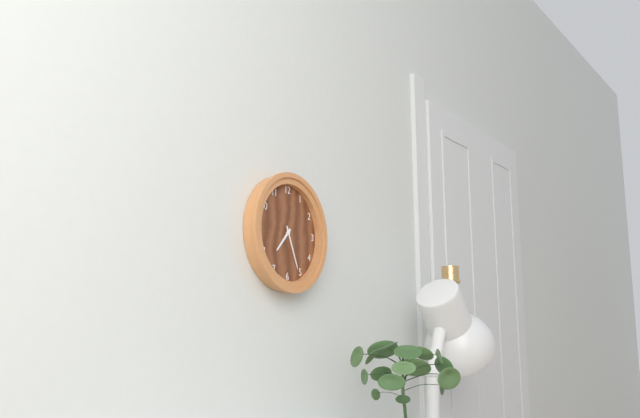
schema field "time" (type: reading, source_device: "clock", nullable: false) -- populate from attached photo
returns 7:26
